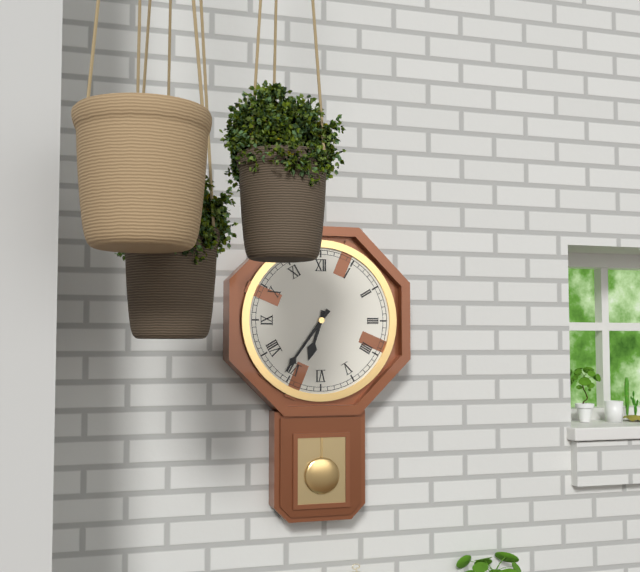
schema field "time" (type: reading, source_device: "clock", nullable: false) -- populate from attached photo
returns 6:36
